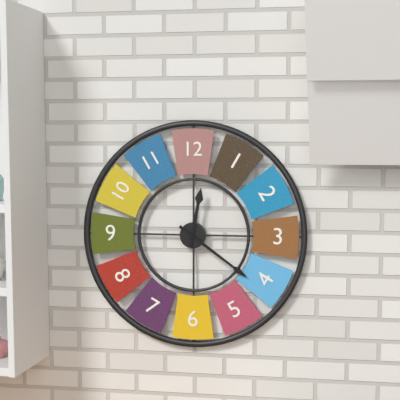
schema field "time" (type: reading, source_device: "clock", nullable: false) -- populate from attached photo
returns 12:21
